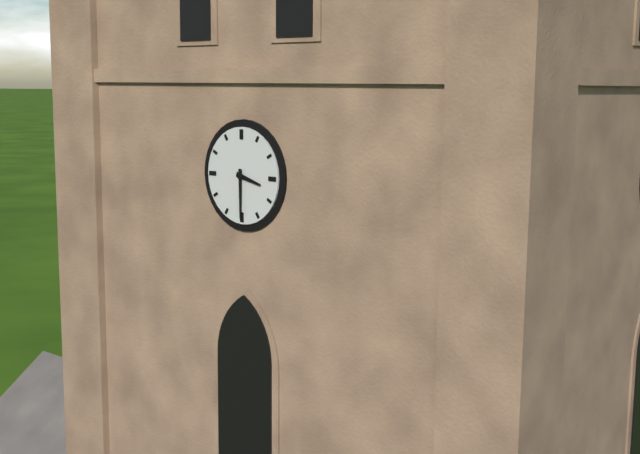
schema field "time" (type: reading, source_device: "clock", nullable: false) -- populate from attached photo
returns 3:30
